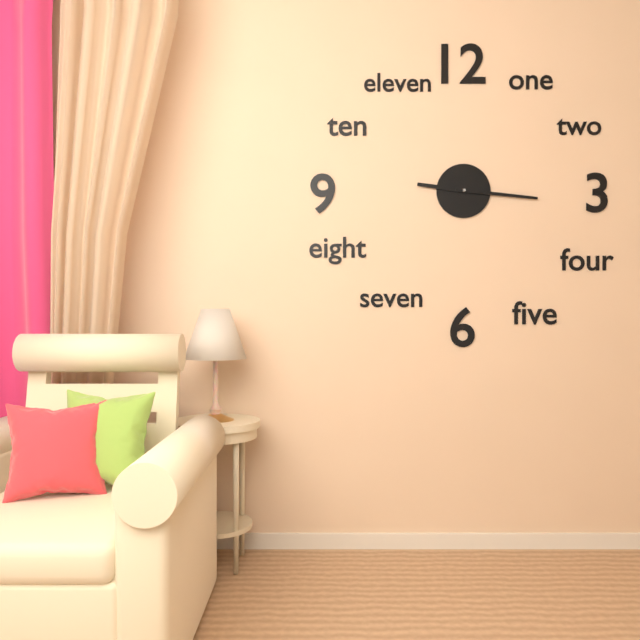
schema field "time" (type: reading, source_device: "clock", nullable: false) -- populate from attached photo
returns 9:16
